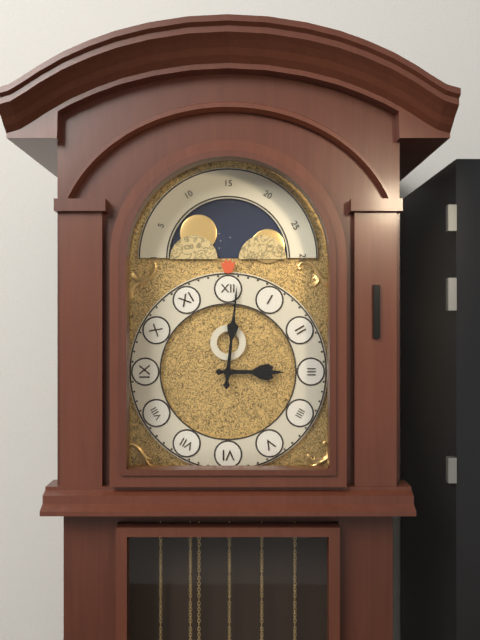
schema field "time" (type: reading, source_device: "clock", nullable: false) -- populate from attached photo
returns 3:01
